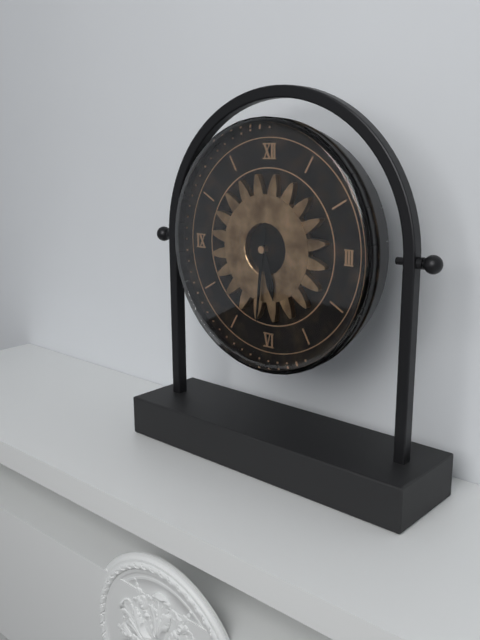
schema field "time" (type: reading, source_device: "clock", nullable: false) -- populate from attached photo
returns 5:31
